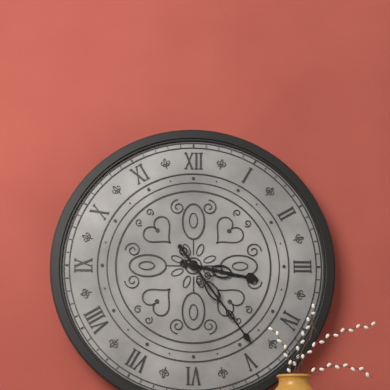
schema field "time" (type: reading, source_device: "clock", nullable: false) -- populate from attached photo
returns 3:24
